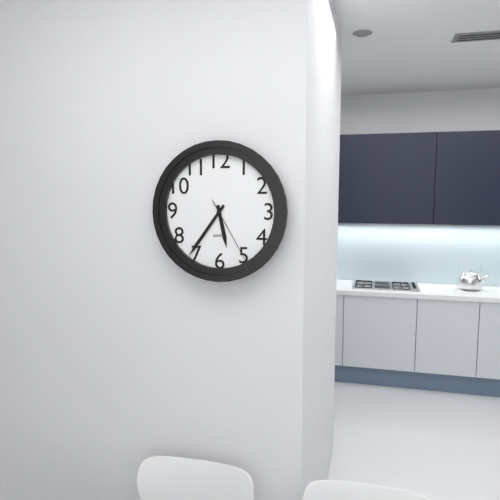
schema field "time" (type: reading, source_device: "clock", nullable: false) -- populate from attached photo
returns 5:36:25
